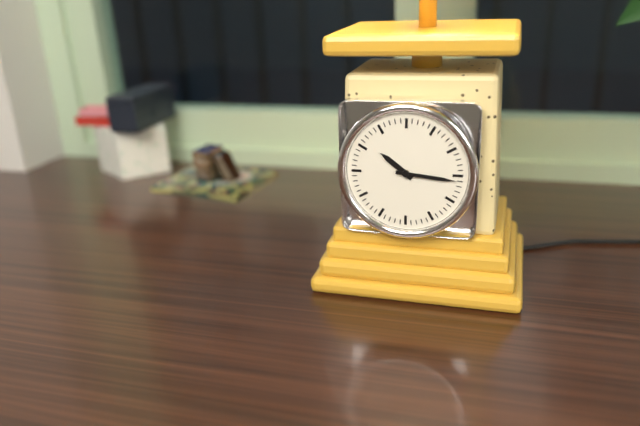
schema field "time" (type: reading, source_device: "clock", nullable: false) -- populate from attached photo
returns 10:16
